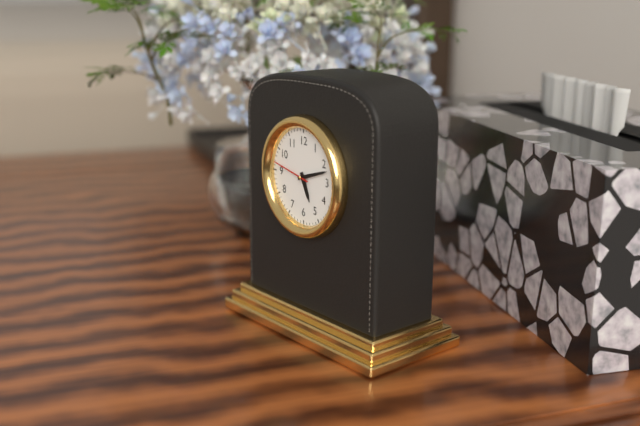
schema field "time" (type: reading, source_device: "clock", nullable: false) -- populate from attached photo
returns 5:12
